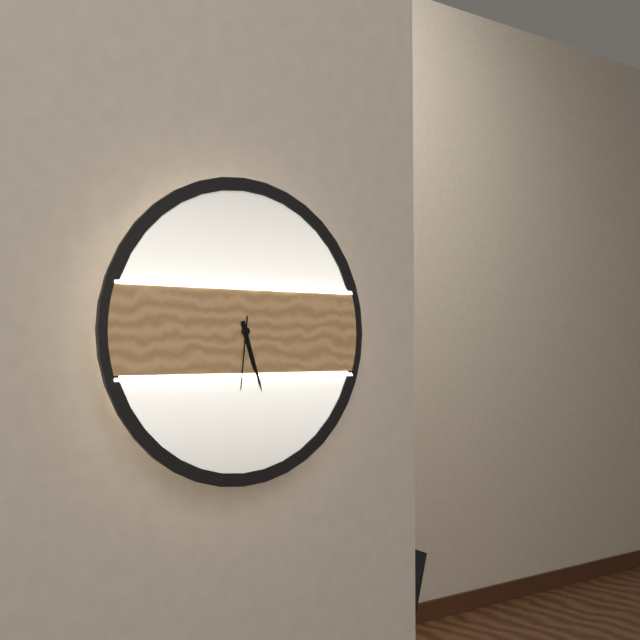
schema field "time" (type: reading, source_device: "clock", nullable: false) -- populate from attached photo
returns 5:27:31
